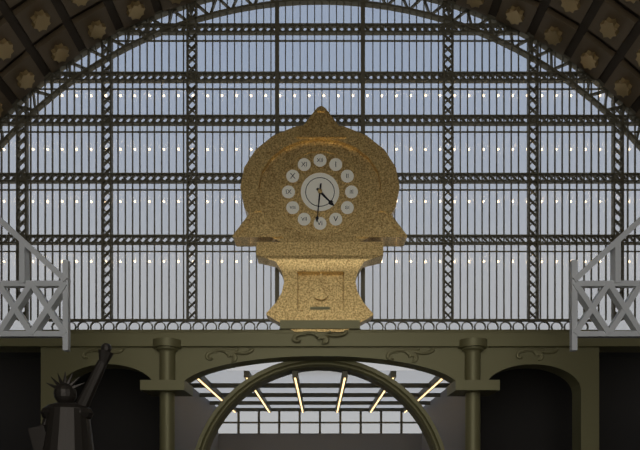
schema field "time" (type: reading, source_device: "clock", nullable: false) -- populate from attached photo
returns 4:31
